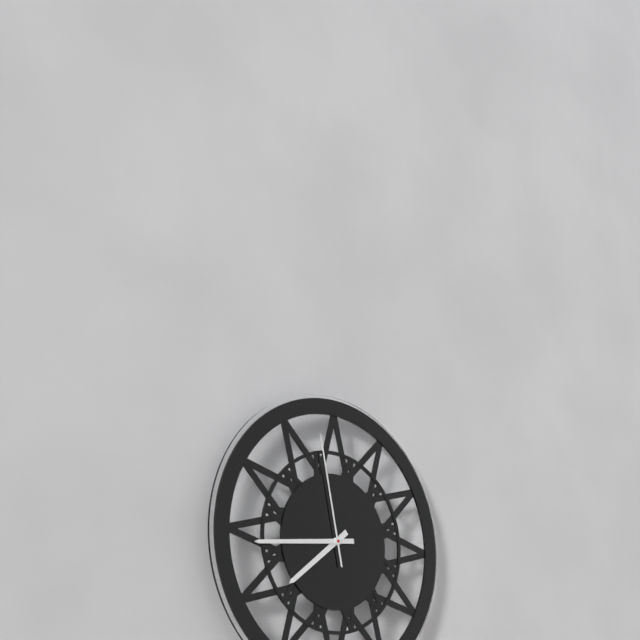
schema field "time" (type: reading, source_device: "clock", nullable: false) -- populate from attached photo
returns 7:44:58
